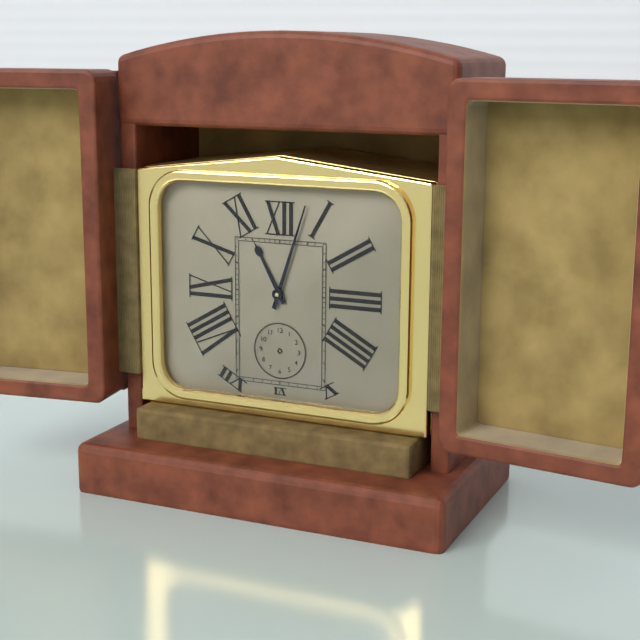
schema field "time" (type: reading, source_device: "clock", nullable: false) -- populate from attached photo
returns 11:03
